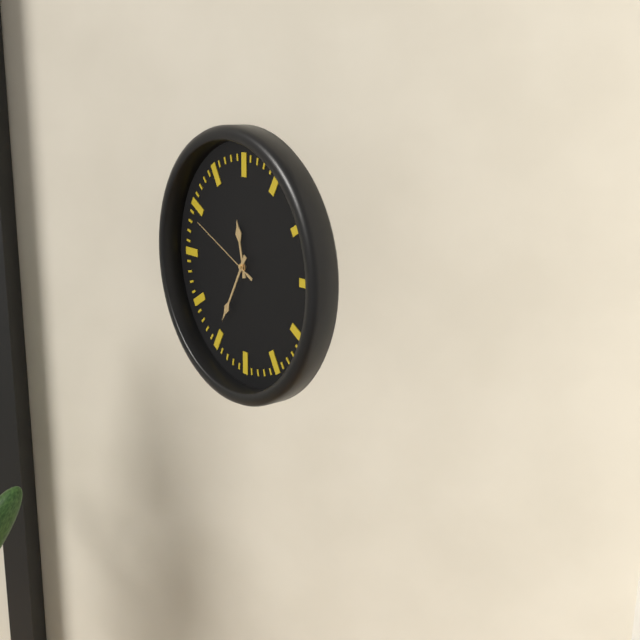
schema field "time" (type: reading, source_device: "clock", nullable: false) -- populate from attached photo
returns 11:35:49
